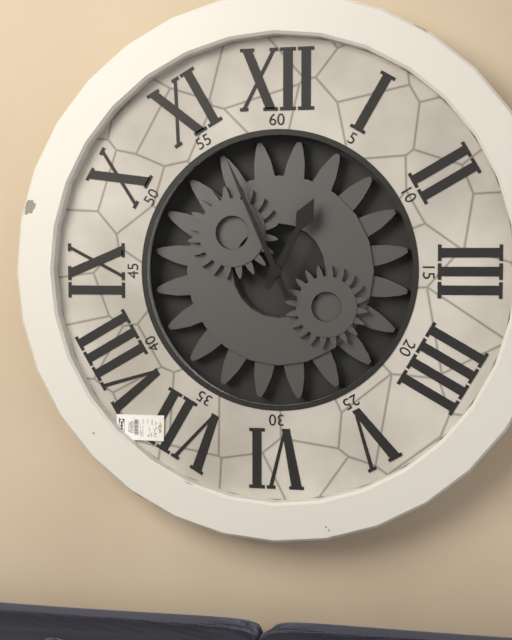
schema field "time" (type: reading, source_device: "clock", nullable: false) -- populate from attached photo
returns 12:56
